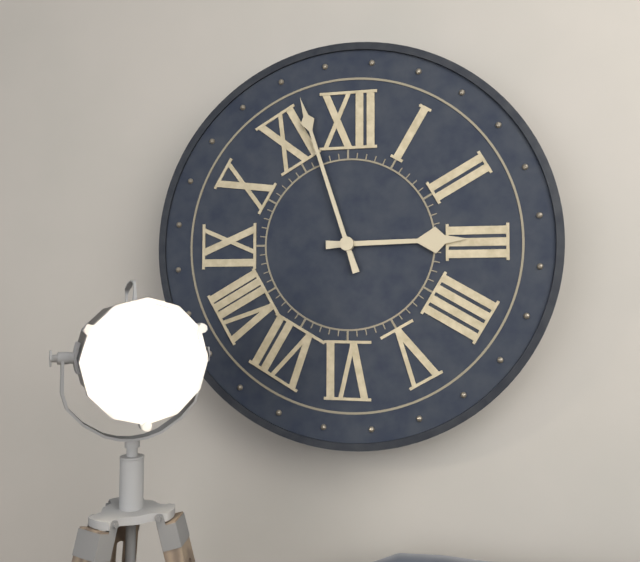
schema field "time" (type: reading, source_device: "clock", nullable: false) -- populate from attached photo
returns 2:57
